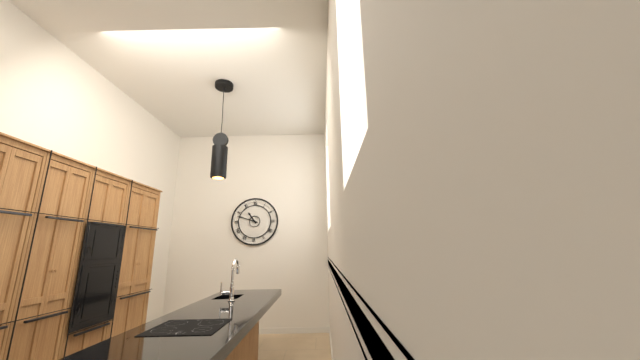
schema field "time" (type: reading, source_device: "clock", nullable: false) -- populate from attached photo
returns 10:48
